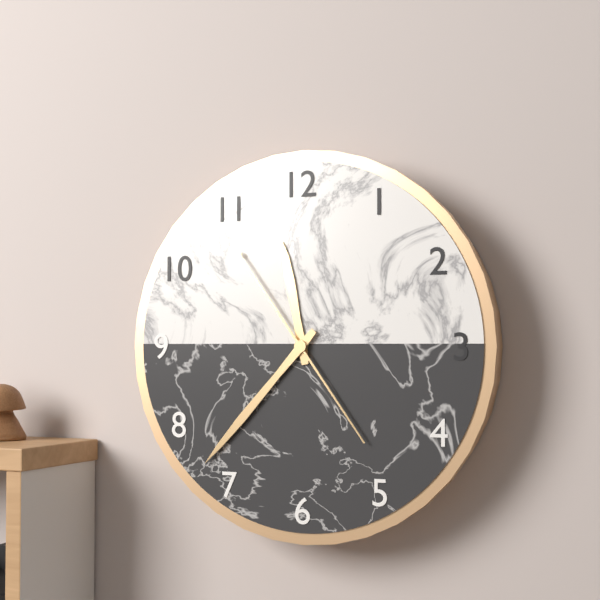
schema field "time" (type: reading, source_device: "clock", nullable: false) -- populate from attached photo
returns 11:37:54
